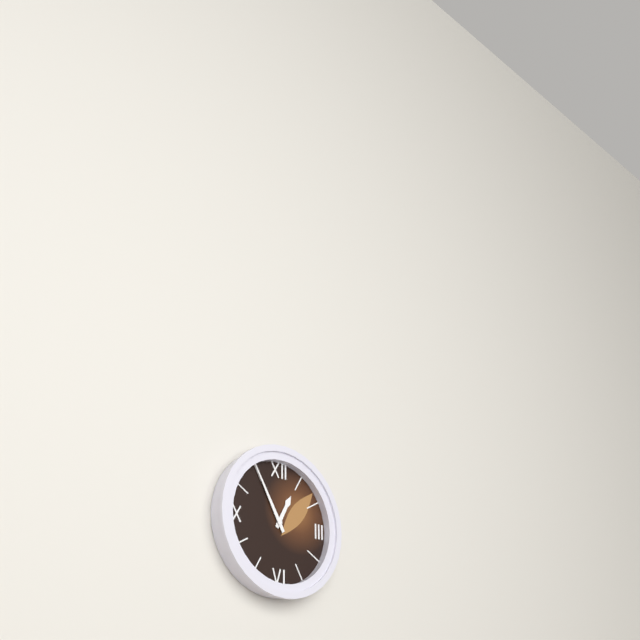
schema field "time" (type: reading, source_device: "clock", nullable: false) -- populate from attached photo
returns 12:55
